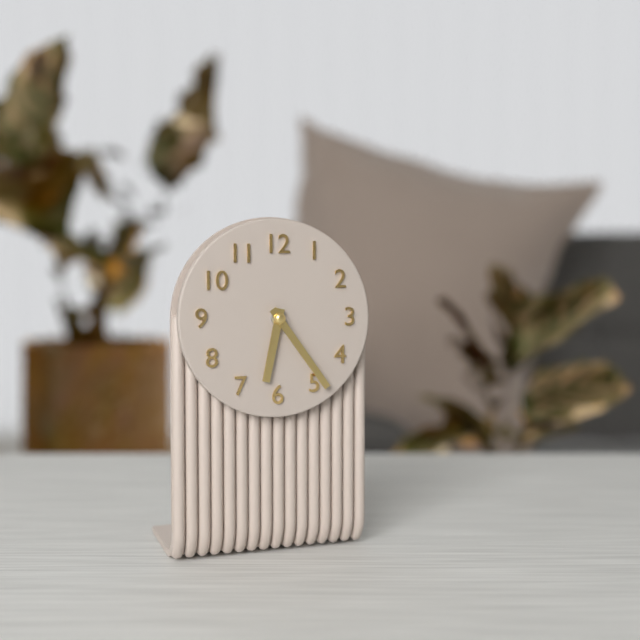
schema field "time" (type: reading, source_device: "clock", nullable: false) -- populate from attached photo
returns 6:24
